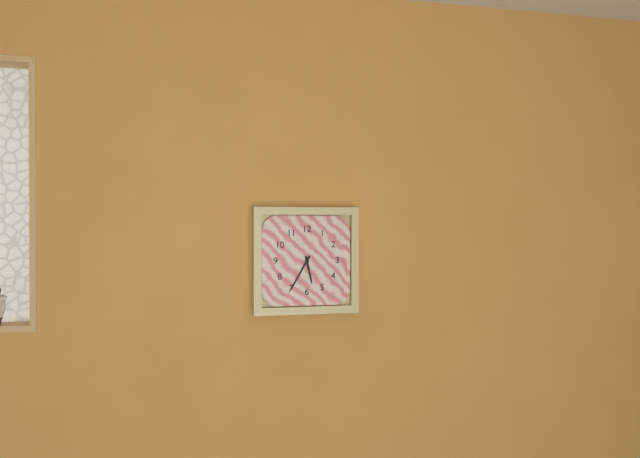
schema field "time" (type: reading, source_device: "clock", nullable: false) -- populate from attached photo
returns 5:35
